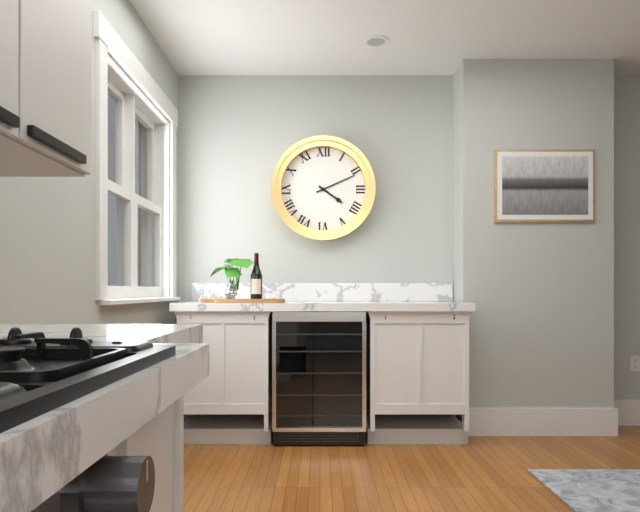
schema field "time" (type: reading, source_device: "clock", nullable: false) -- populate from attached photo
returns 4:11
